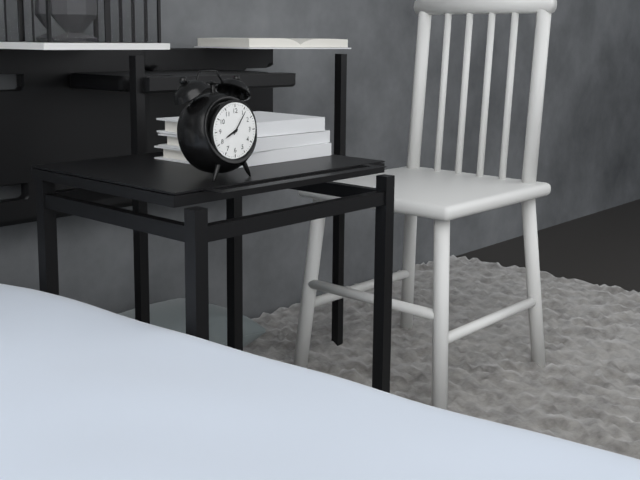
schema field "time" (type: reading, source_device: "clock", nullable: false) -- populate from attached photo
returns 8:06
